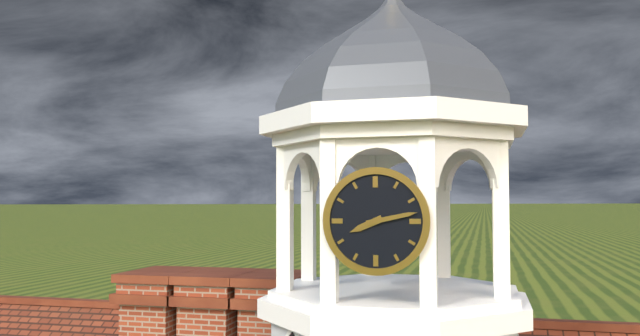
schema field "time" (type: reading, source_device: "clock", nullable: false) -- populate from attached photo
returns 8:13
